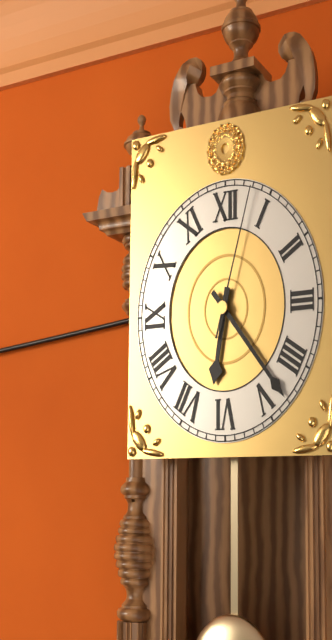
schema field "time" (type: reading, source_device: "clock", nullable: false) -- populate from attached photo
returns 6:23:03
